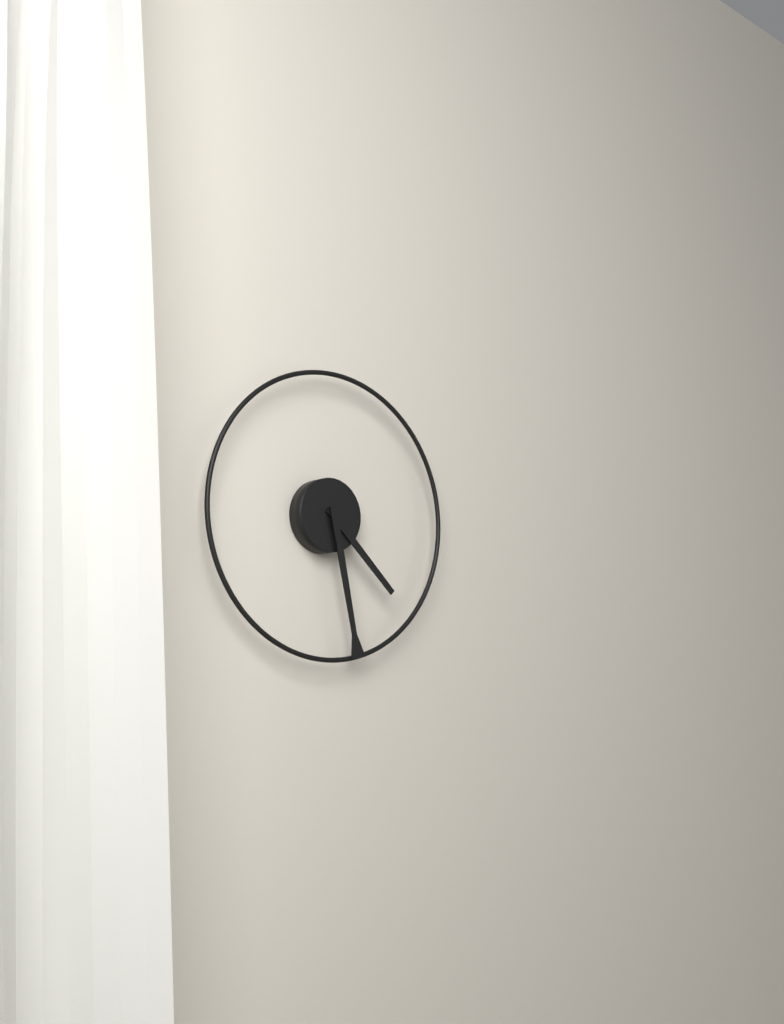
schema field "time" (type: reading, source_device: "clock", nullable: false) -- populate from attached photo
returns 4:28
